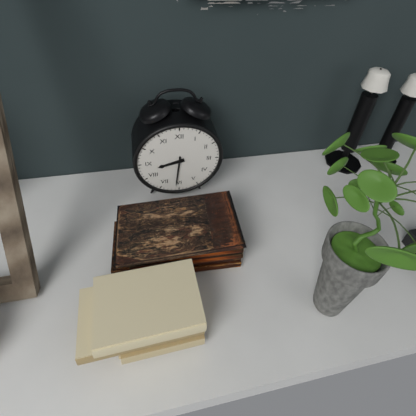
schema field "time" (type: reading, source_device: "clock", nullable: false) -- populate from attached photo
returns 8:31
